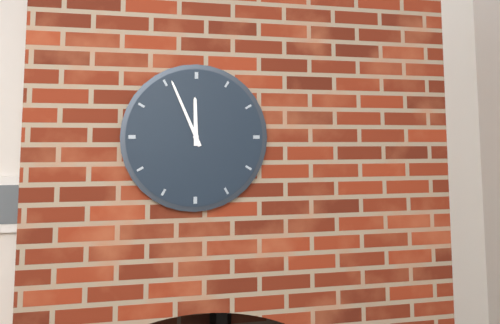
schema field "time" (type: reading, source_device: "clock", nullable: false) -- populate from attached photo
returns 11:56
